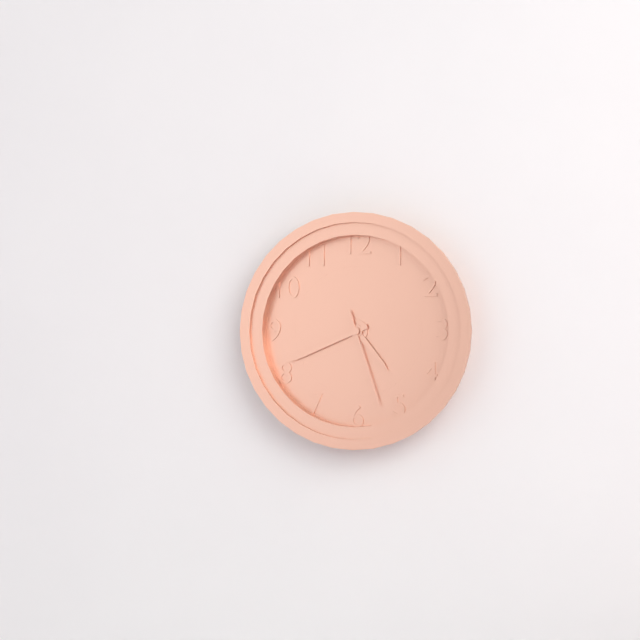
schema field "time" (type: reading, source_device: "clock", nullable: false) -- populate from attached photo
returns 4:41:27
